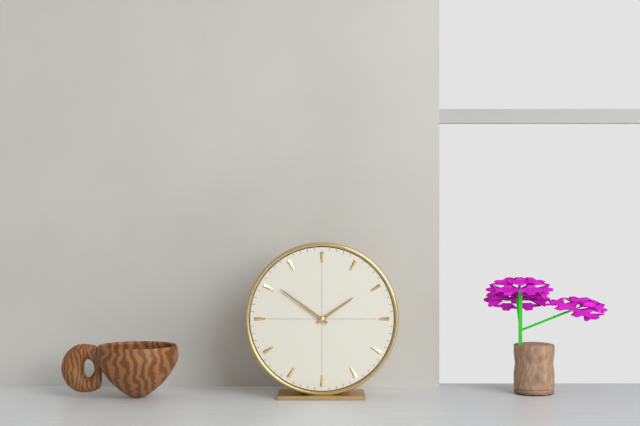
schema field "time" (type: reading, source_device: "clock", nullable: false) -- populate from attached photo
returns 1:51
